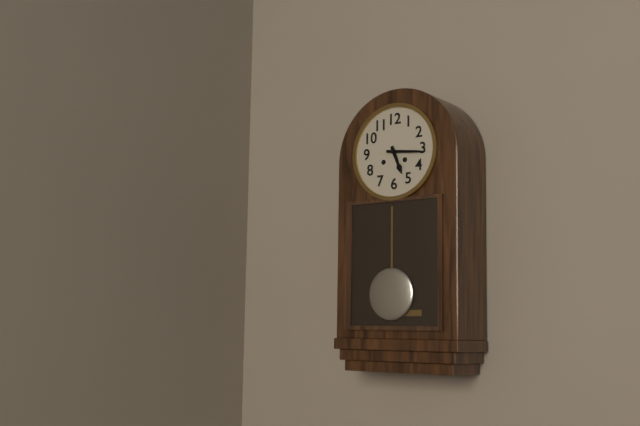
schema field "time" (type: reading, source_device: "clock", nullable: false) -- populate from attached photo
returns 5:16
